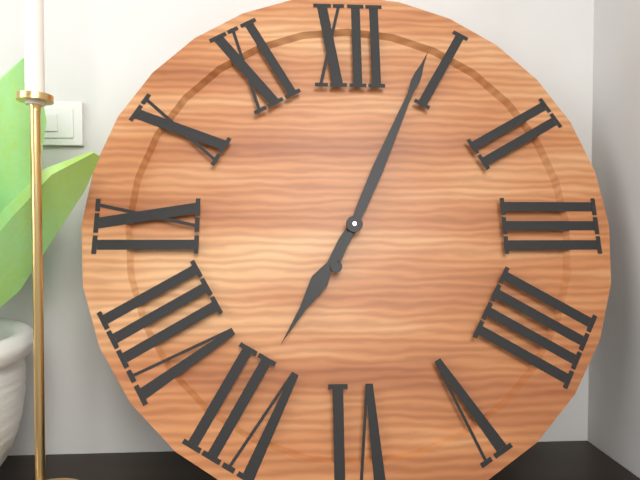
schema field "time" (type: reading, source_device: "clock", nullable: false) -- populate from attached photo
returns 7:04
